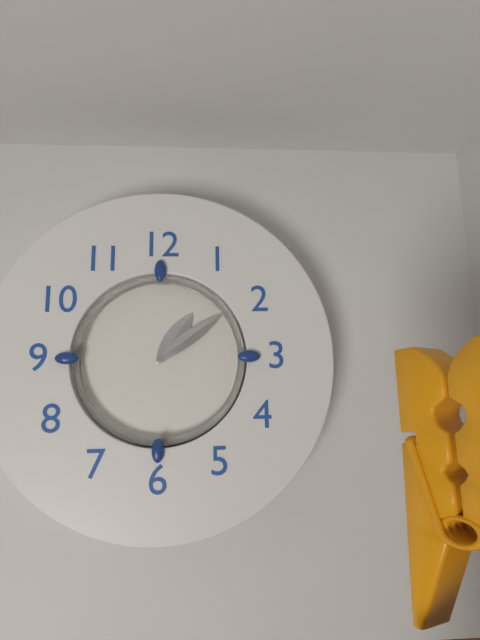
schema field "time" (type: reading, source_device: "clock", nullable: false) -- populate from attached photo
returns 1:09
